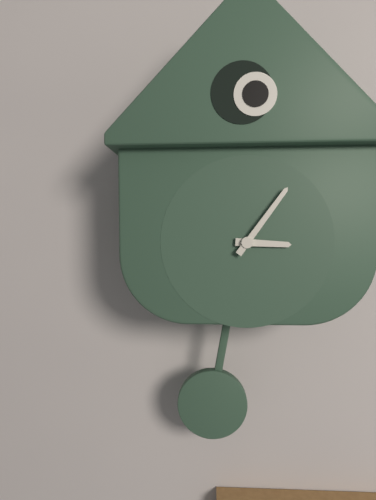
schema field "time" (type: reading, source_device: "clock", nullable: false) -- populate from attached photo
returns 3:06
